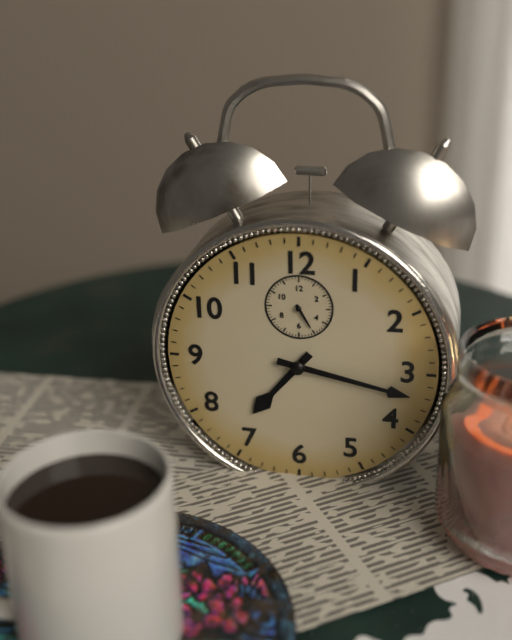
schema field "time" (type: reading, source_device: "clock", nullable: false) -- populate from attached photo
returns 7:17
